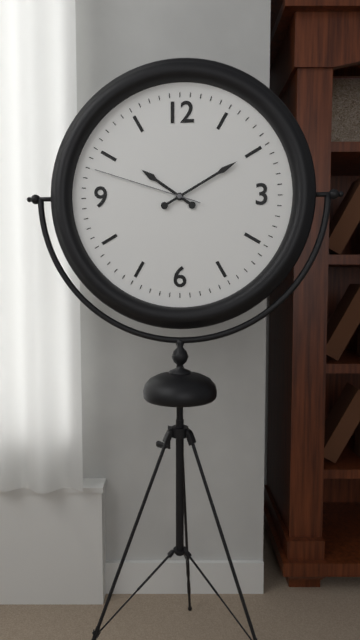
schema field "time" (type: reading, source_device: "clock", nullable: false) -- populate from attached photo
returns 10:10:48
